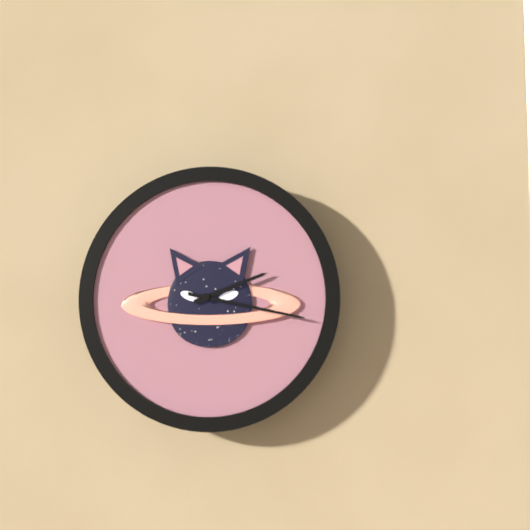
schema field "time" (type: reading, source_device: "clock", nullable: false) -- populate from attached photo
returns 2:17
